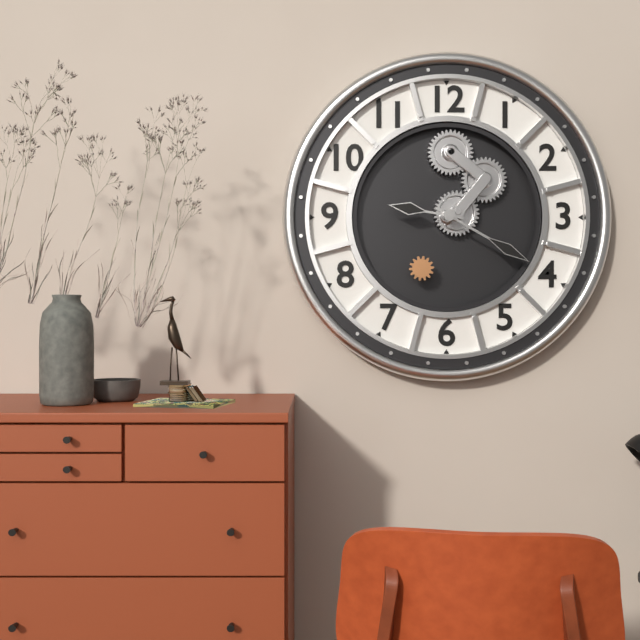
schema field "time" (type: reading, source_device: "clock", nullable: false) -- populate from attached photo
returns 9:20
